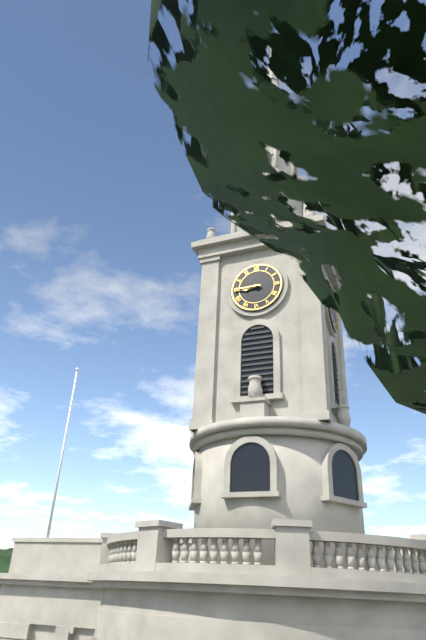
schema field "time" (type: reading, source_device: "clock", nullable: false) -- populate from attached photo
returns 8:45
